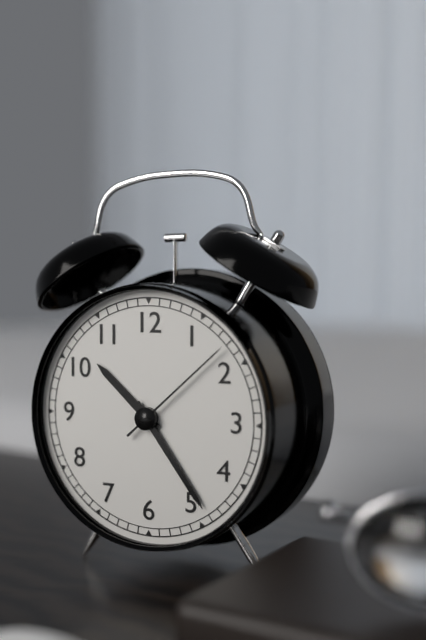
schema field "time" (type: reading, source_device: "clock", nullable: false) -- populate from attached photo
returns 10:24:08
